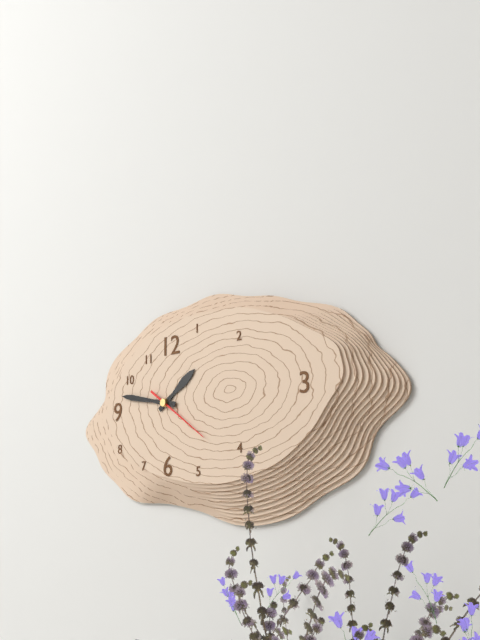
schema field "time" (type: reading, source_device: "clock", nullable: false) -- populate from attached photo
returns 1:47:21
